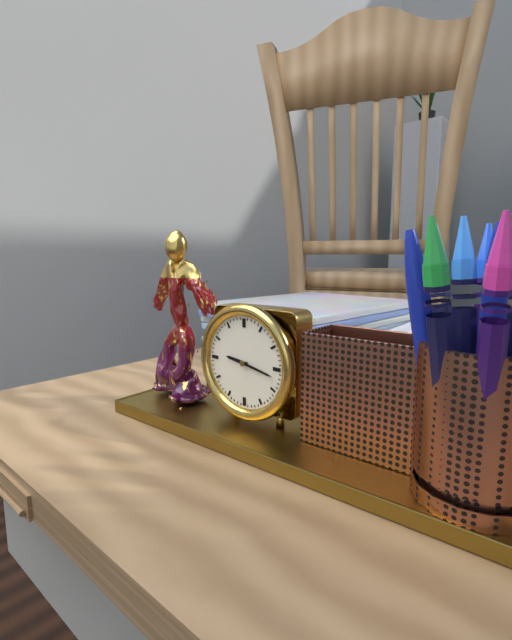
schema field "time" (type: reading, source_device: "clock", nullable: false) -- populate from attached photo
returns 9:17
